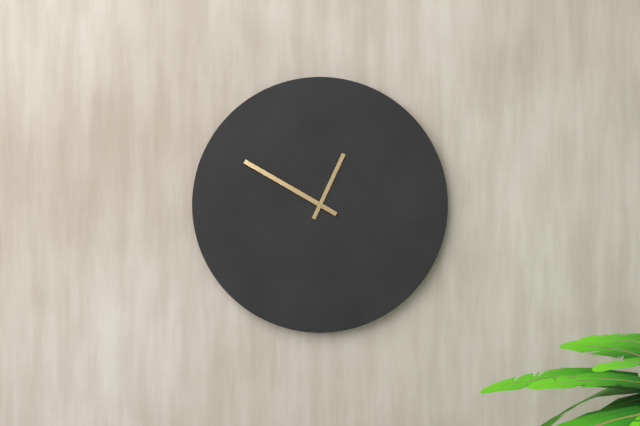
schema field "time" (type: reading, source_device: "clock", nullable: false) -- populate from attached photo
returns 12:50
